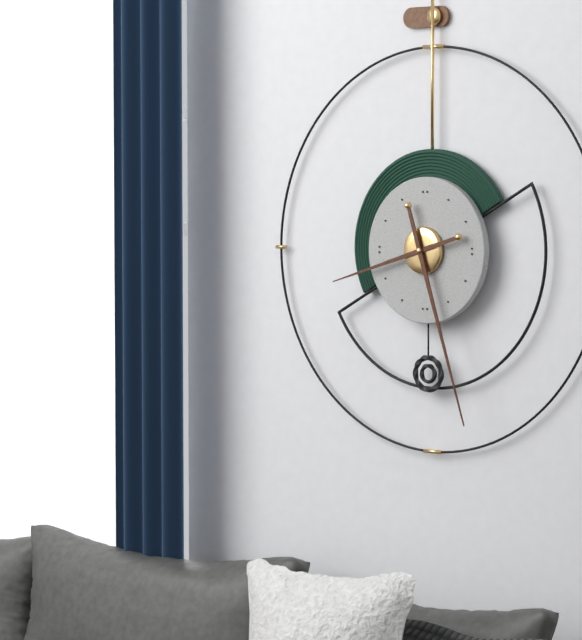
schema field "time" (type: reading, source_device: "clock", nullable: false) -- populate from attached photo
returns 8:27
